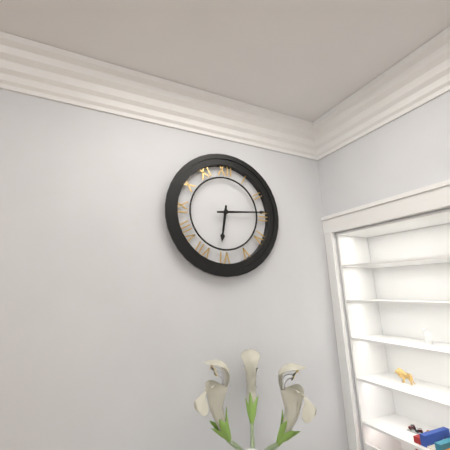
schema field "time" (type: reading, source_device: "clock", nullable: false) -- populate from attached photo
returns 6:14
